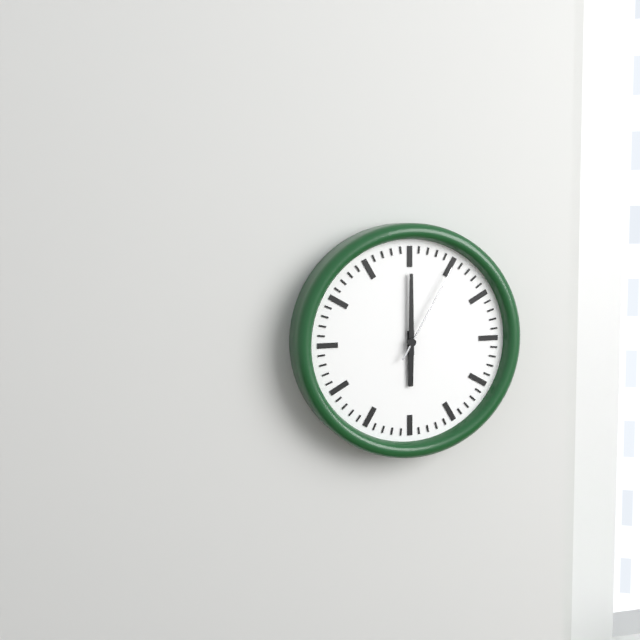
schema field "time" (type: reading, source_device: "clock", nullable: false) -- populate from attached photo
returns 6:00:05
